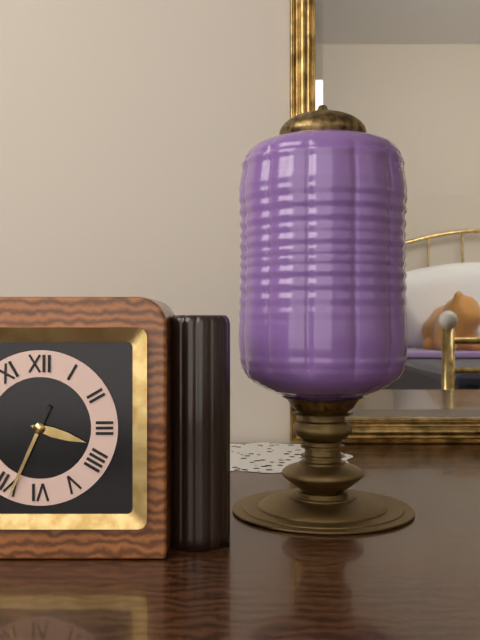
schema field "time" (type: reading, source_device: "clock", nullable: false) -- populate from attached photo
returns 3:34
